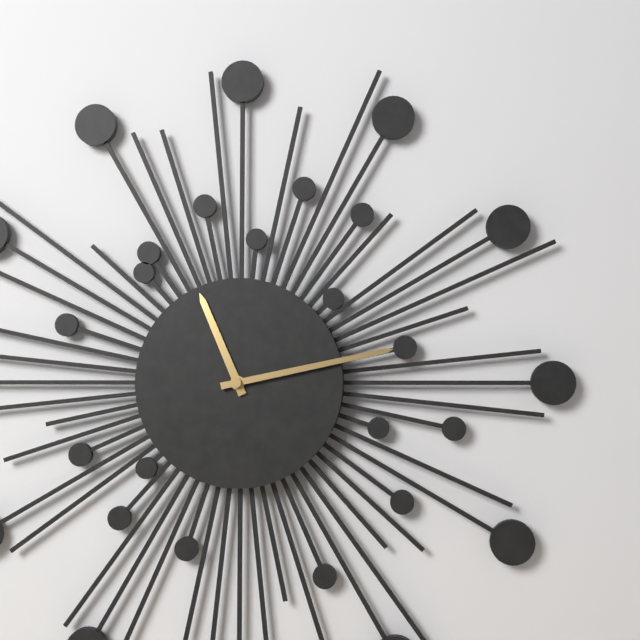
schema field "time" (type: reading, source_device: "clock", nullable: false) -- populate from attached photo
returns 11:13
